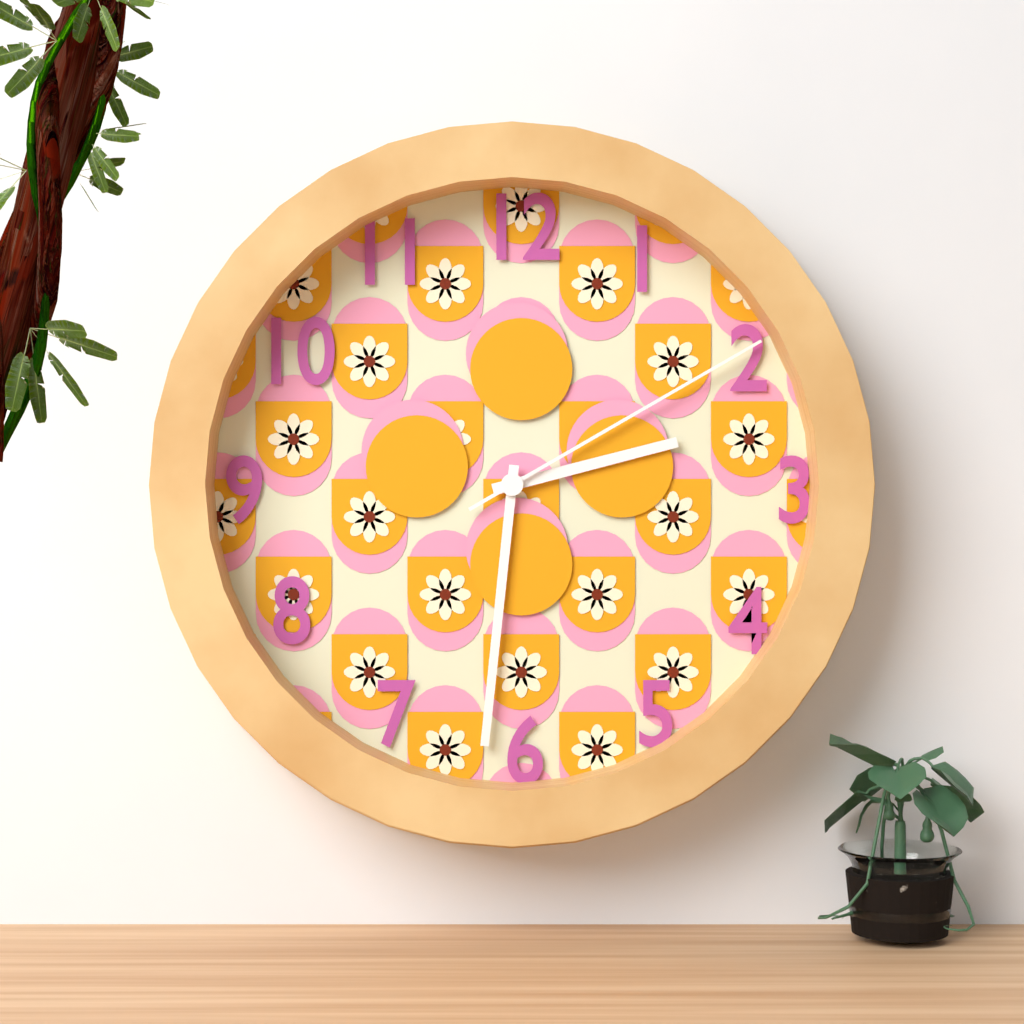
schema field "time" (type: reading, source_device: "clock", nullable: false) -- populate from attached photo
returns 2:31:10
